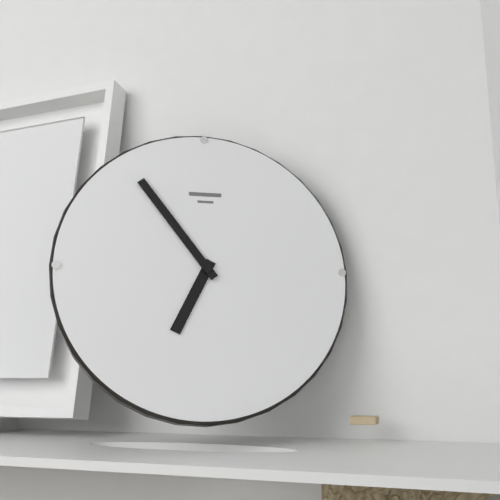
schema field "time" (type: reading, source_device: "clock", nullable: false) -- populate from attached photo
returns 6:54
